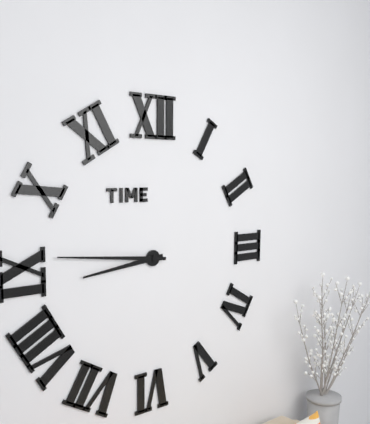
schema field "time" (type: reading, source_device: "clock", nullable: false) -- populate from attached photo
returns 8:46
